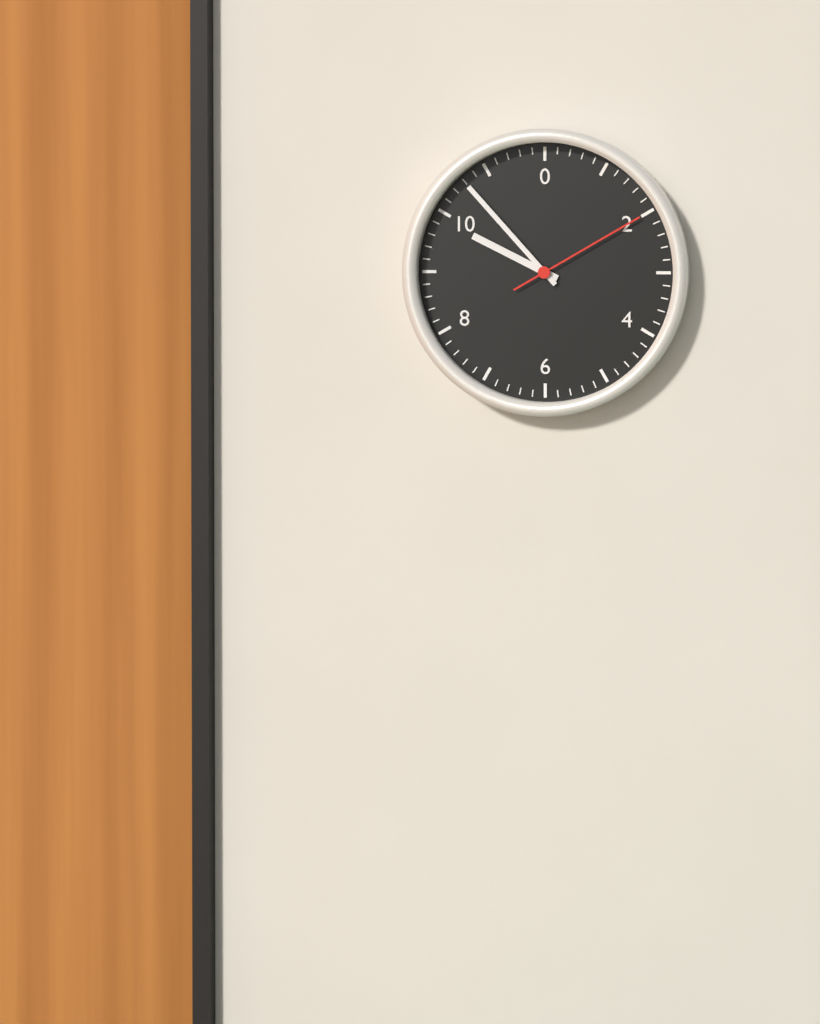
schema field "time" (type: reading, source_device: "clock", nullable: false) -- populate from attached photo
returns 9:53:10
